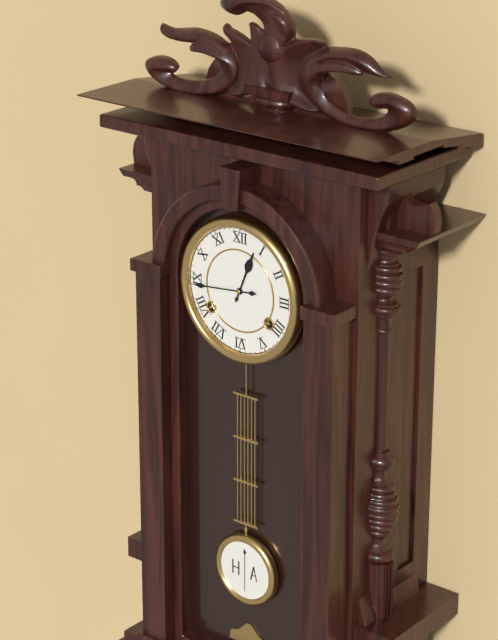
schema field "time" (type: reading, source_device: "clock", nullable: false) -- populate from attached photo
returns 12:44
